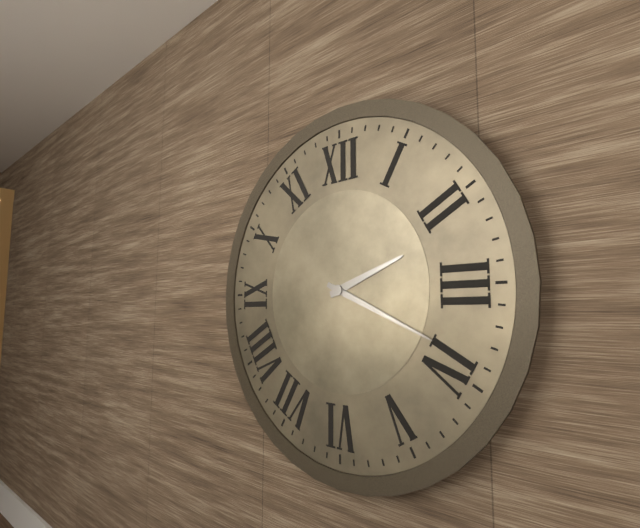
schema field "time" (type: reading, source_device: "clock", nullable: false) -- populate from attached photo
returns 2:19
